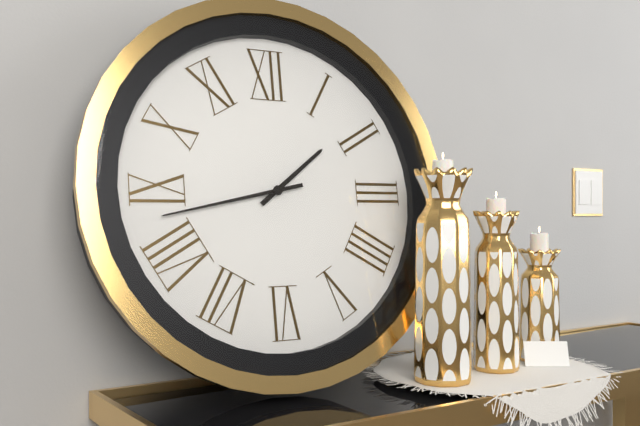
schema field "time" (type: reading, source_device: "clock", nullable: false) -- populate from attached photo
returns 1:43
